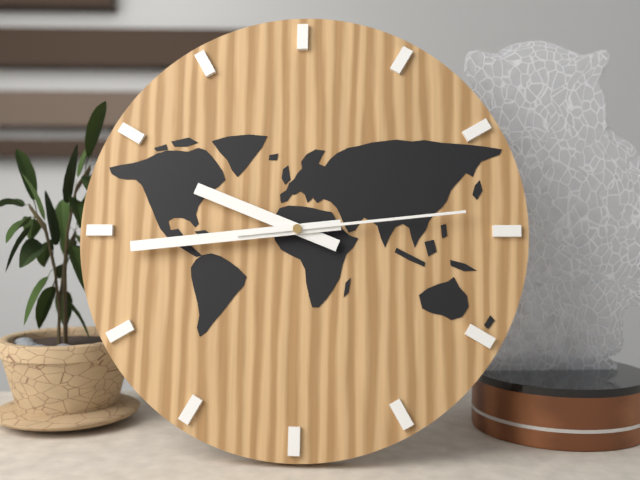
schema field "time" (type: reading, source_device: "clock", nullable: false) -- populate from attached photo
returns 9:44:14
